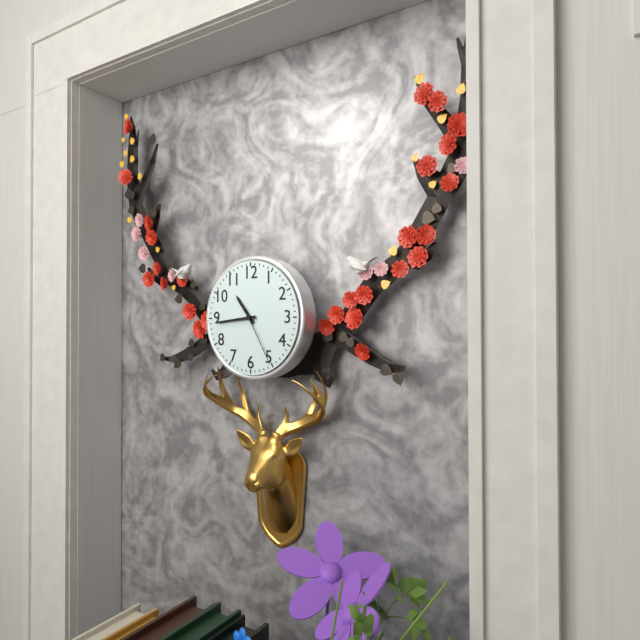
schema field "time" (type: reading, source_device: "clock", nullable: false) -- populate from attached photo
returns 10:44:25
